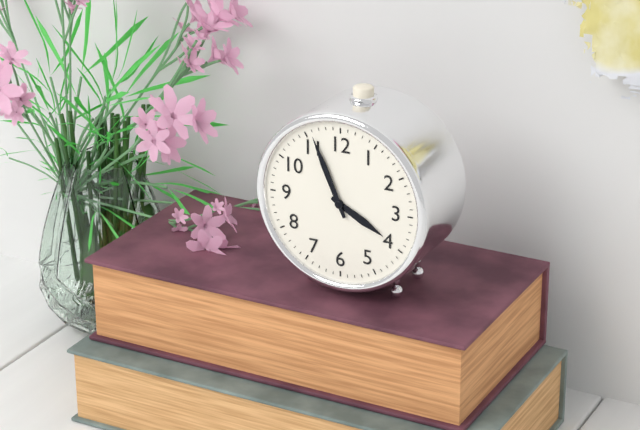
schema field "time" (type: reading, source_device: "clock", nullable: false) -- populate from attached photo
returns 3:56
